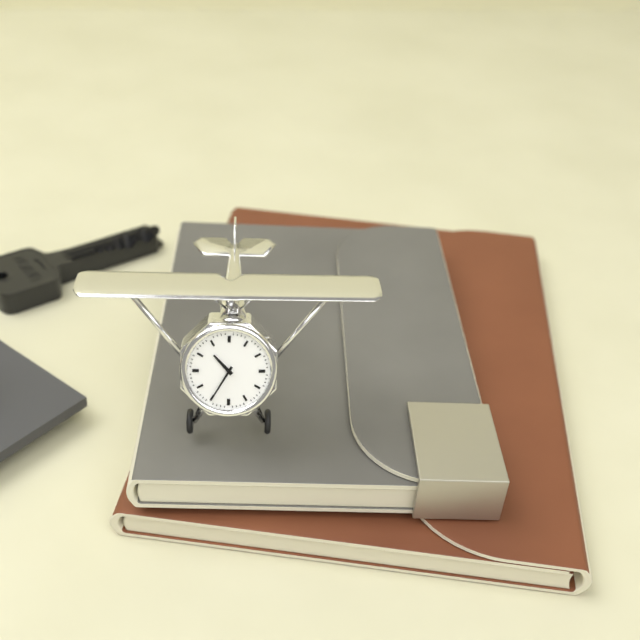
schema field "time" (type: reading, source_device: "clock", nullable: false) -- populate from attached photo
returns 10:35
